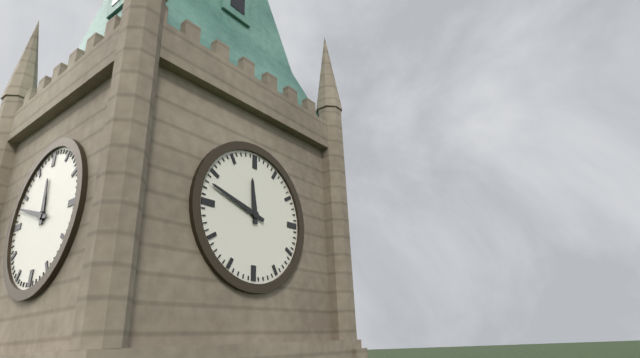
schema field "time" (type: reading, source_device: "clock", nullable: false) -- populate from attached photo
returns 11:48
